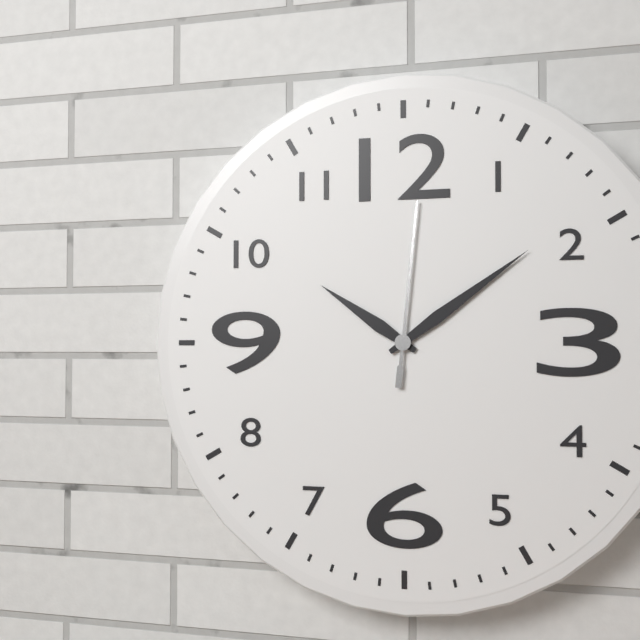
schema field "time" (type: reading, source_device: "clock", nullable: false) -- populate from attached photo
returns 10:09:01
